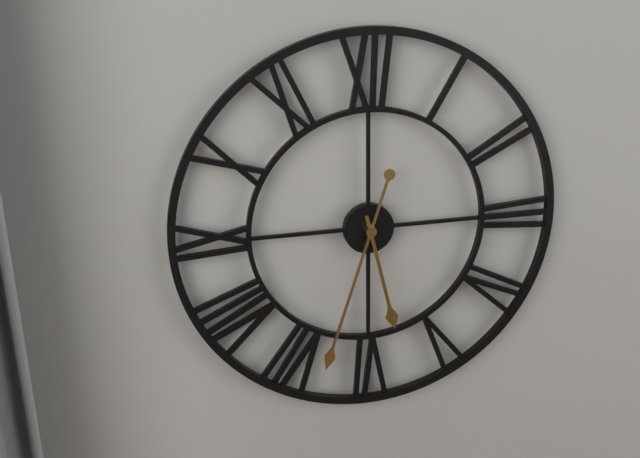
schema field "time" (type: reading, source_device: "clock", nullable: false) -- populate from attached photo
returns 5:33
